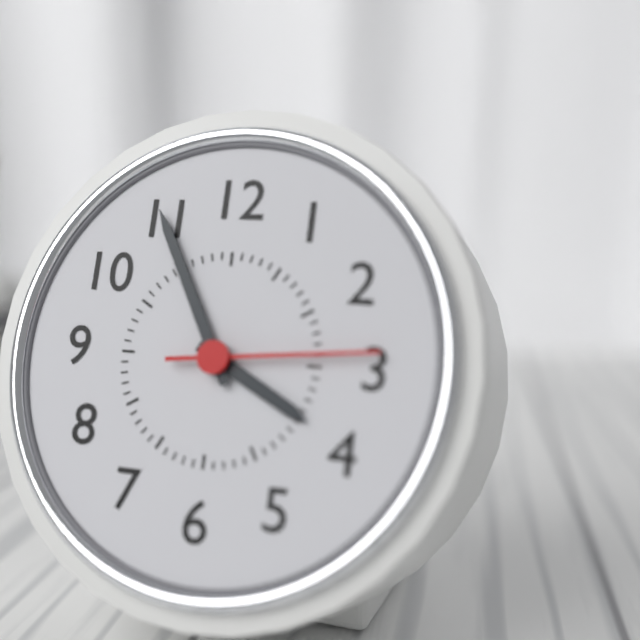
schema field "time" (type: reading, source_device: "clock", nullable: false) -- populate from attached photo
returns 3:55:14
